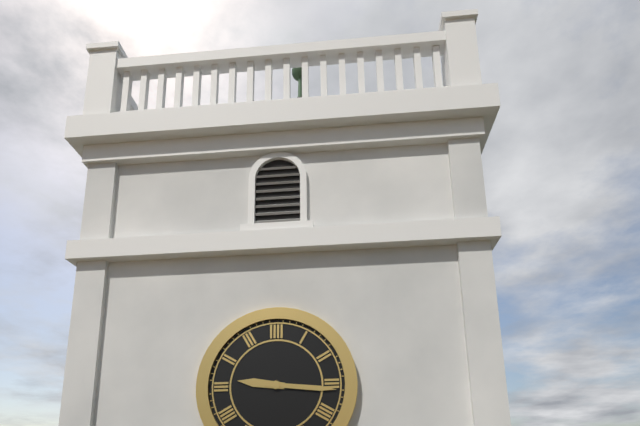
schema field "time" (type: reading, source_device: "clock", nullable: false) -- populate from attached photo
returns 9:16
